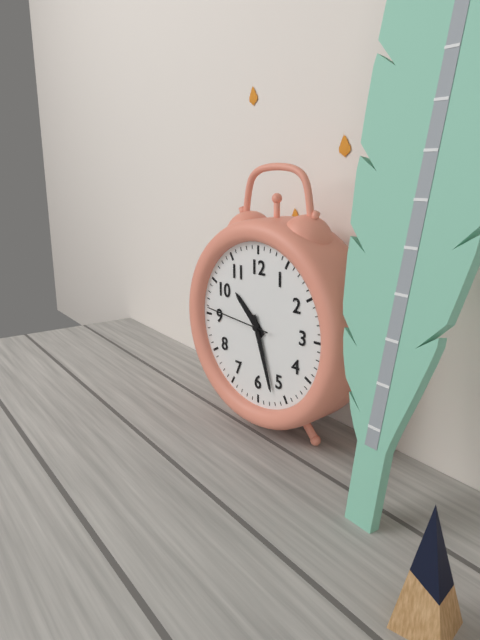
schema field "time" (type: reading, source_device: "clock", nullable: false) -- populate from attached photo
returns 10:27:46
